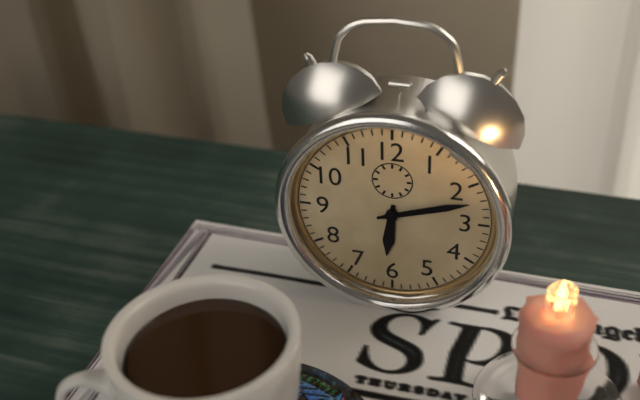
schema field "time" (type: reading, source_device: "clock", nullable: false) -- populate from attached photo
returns 6:12
